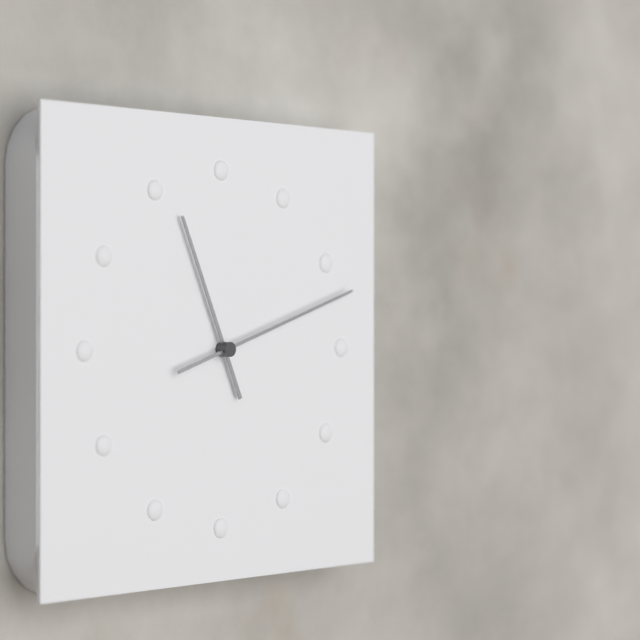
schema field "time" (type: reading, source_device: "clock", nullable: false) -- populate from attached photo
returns 11:12
